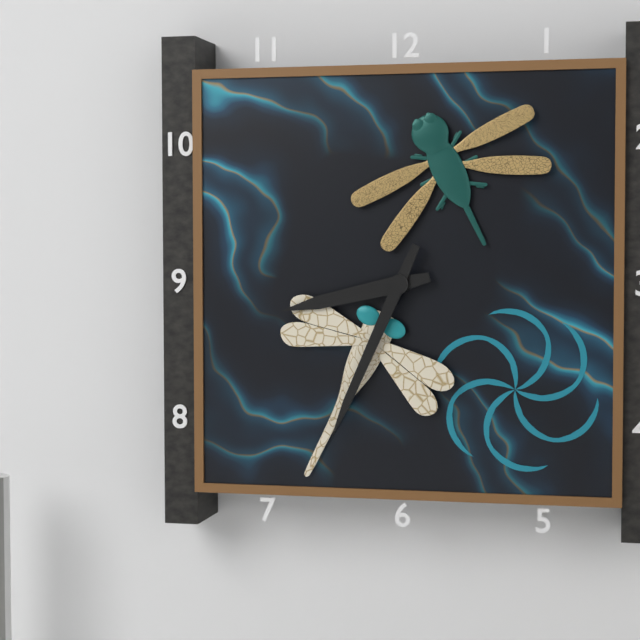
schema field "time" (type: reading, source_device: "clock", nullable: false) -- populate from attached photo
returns 8:34
